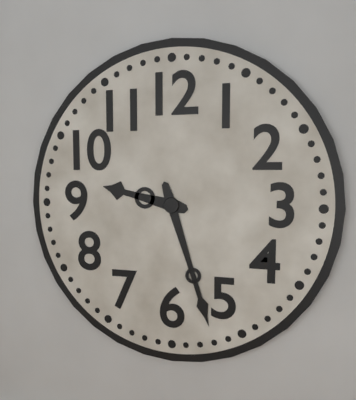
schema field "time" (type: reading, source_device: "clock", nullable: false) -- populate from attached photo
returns 9:27
